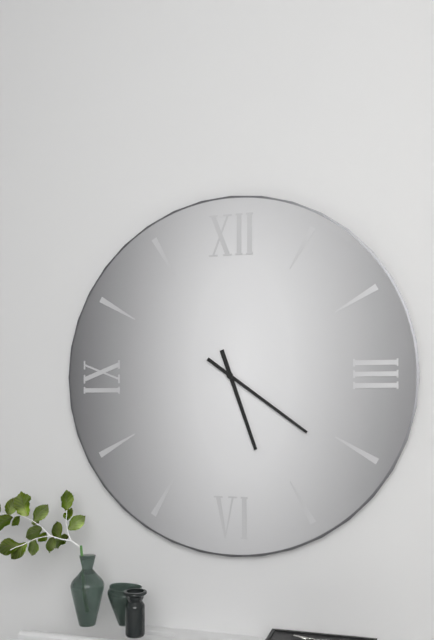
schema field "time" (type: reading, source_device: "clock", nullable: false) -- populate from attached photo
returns 5:21
